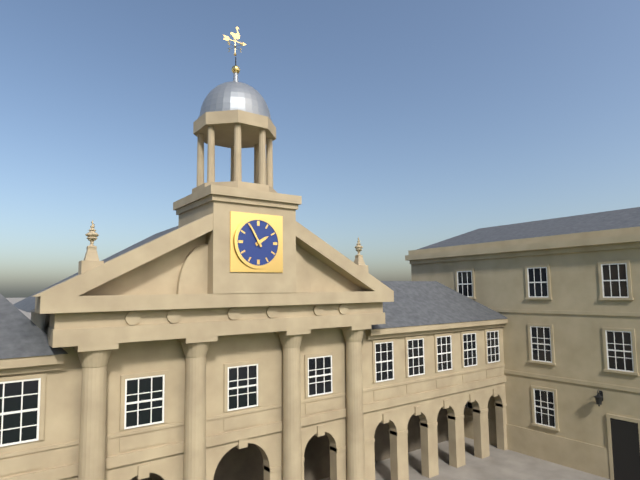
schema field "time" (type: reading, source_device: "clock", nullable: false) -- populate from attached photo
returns 1:55
